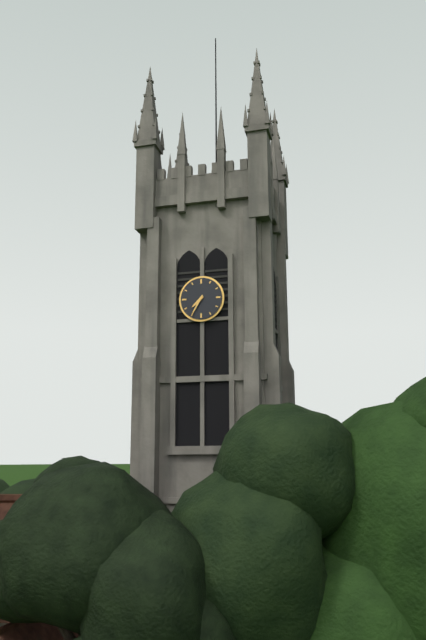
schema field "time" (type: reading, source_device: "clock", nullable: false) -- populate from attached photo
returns 7:35
